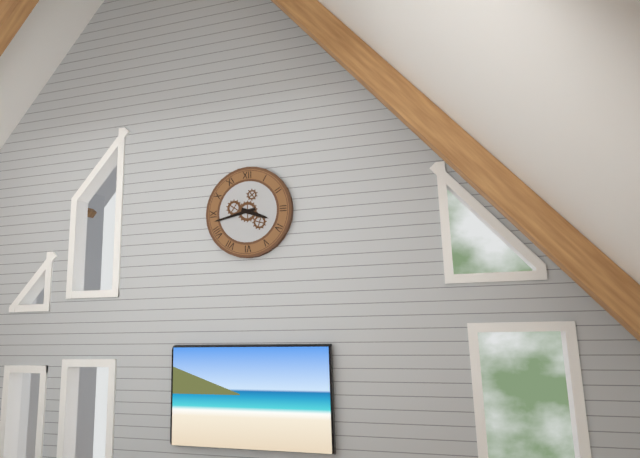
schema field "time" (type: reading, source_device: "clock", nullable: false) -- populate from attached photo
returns 3:43
